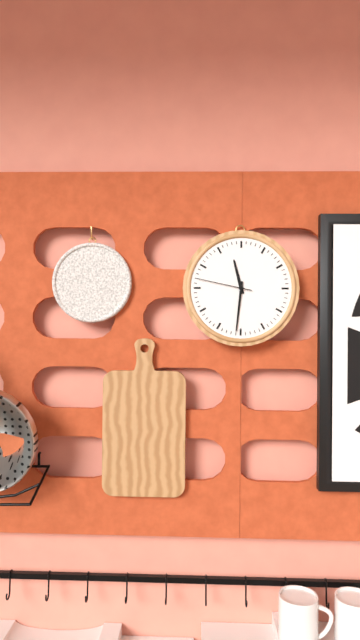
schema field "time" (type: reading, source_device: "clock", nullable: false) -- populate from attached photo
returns 11:31:47
